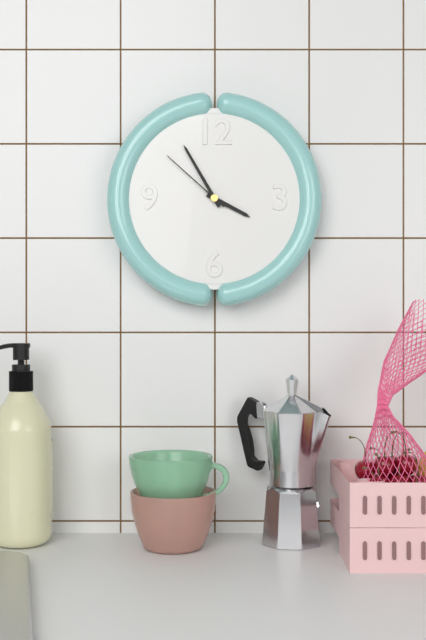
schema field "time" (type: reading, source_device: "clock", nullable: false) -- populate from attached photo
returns 3:55:52
